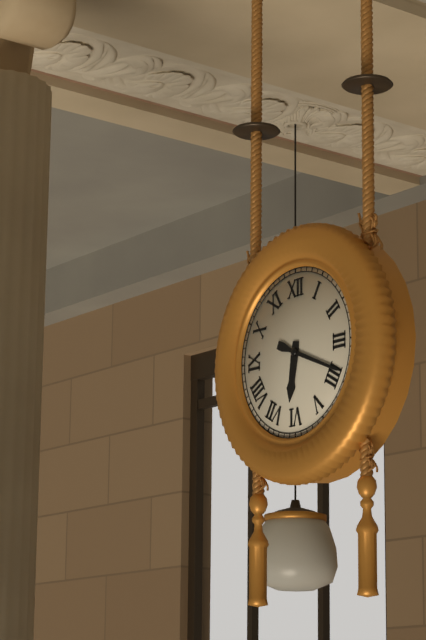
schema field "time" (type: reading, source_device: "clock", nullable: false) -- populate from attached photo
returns 6:19
